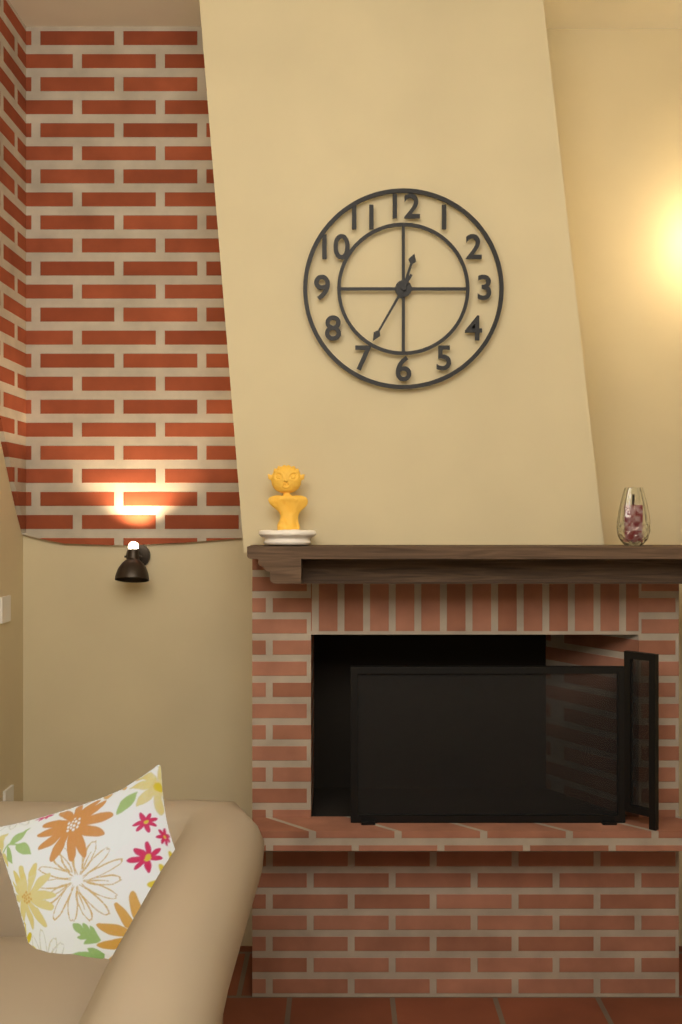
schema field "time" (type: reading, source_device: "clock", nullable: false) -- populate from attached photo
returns 12:35
